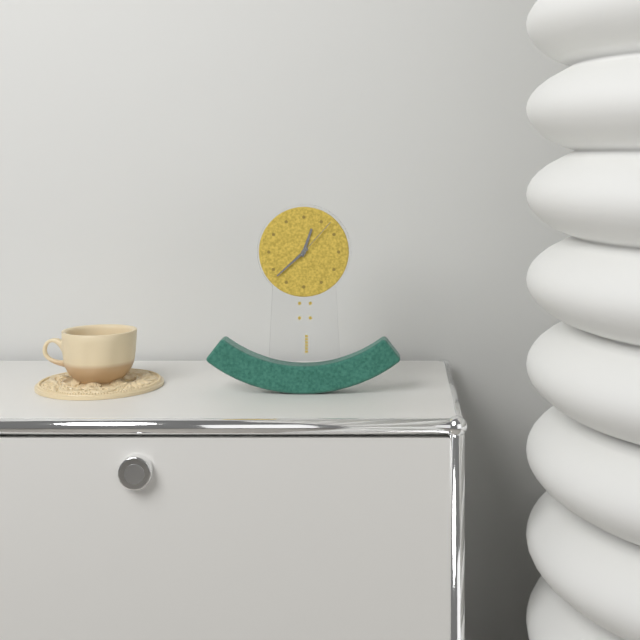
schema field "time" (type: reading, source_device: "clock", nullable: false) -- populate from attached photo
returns 12:38:07
